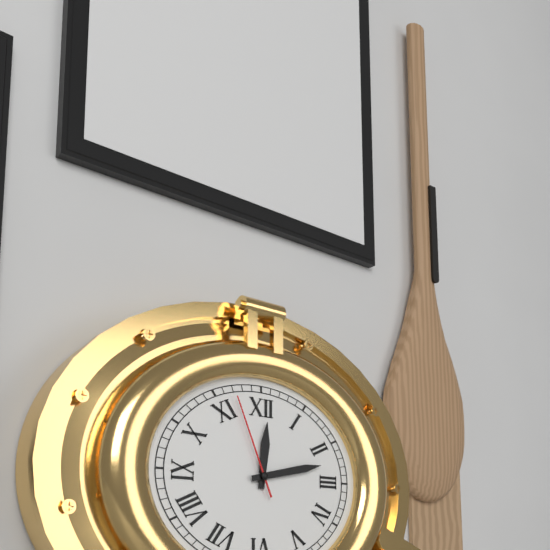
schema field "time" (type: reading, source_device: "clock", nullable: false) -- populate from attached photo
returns 12:13:56
